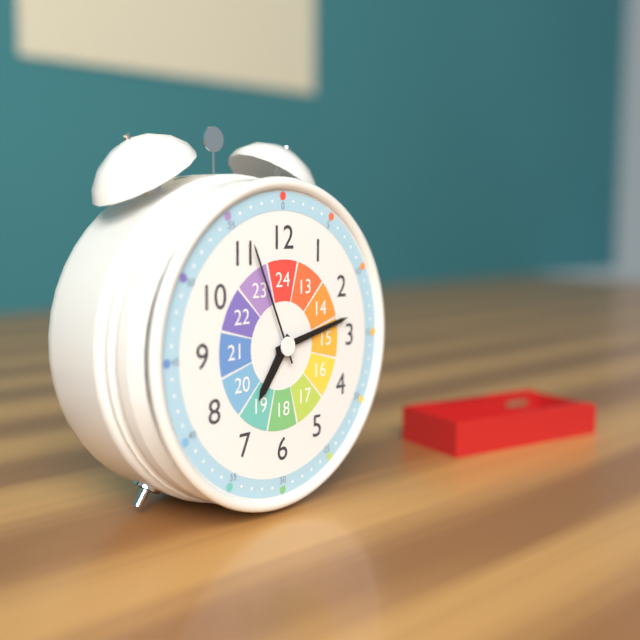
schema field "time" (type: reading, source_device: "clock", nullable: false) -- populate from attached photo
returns 7:13:56
